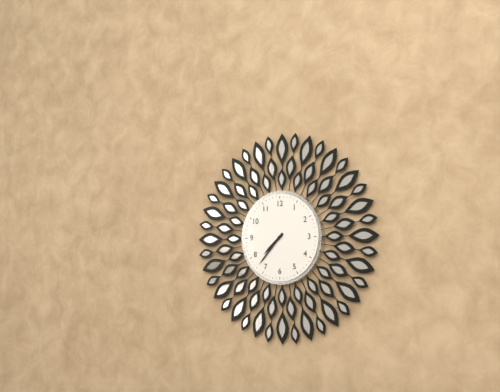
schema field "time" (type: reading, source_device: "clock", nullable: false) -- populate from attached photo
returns 7:37
